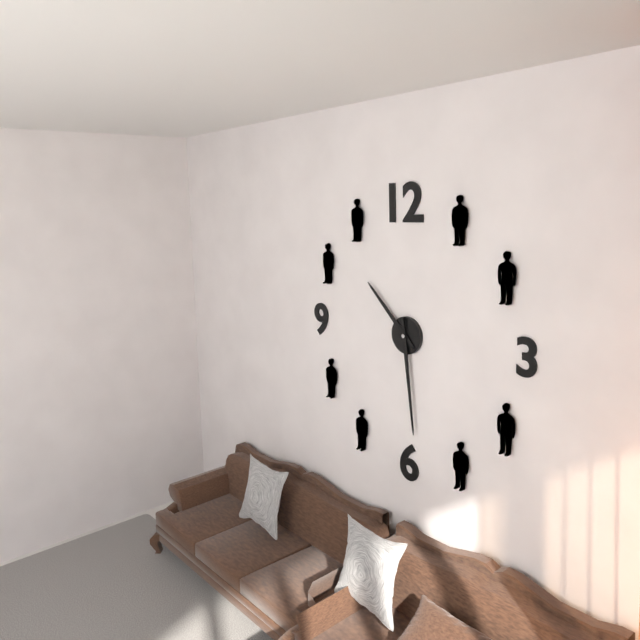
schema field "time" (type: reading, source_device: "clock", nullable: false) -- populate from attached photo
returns 10:29
